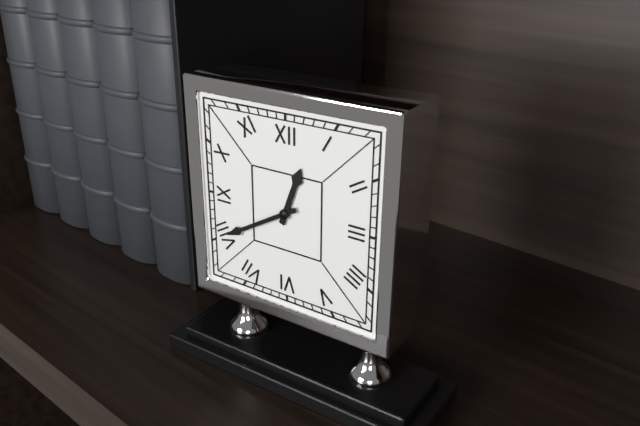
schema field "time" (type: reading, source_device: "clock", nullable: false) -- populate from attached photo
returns 12:40
